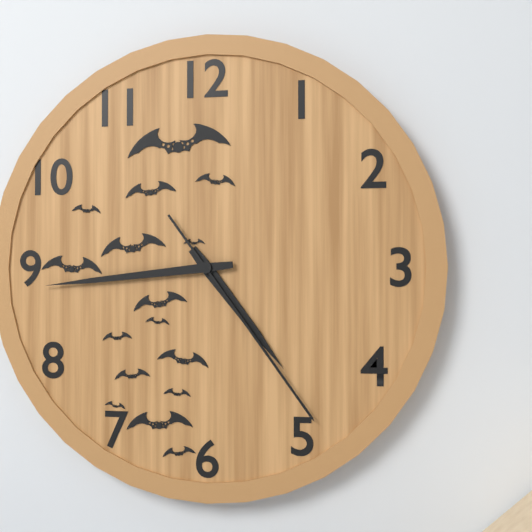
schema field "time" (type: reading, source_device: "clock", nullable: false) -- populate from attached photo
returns 4:44:24
